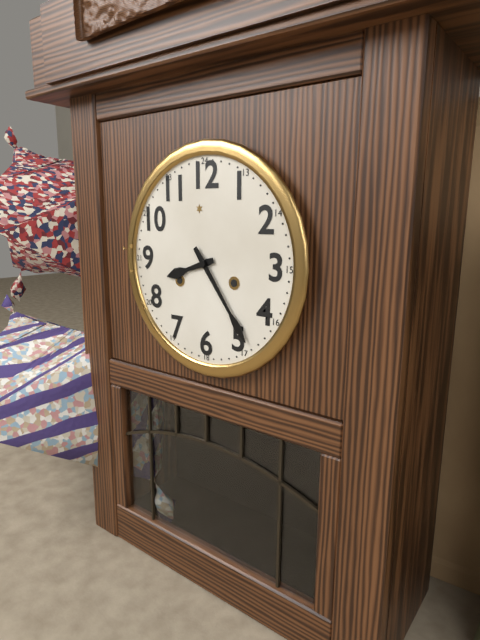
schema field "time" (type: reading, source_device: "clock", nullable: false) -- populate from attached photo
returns 8:24
